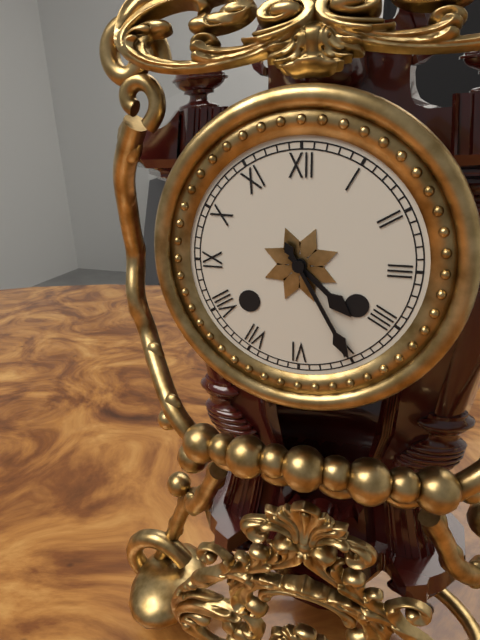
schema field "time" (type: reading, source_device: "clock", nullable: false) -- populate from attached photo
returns 4:25
